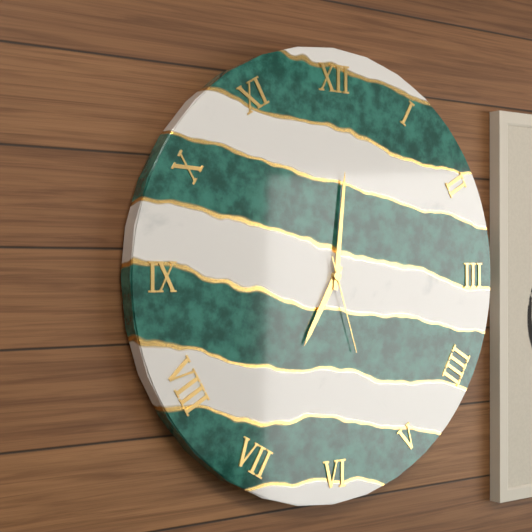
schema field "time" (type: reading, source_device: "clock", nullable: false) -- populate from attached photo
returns 7:01:27
